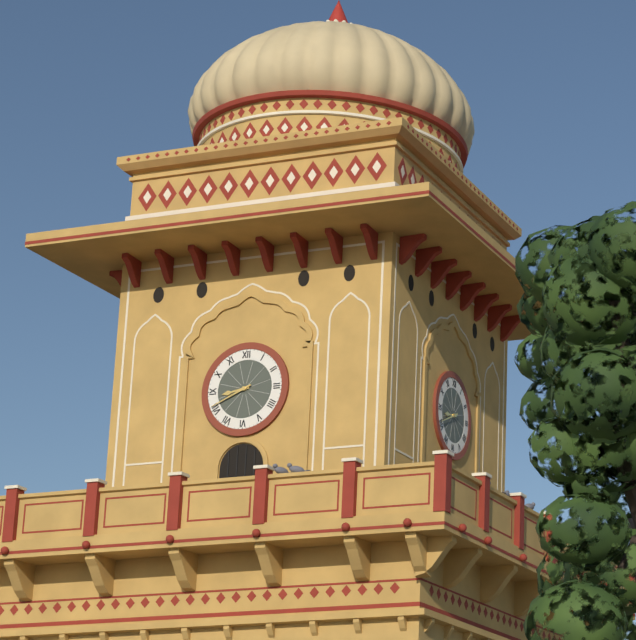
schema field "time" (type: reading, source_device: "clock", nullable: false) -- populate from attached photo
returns 8:41
